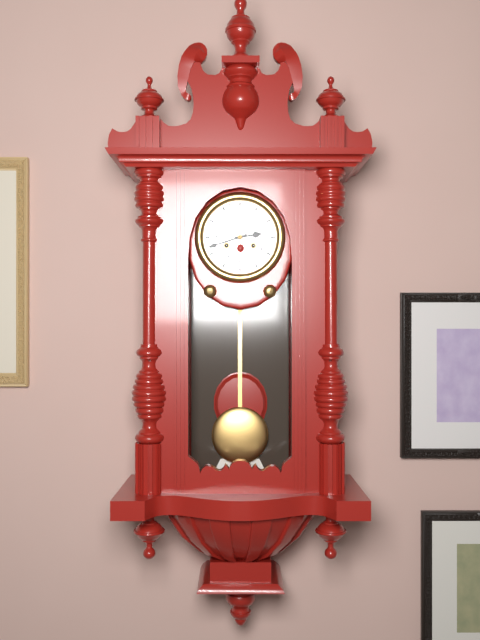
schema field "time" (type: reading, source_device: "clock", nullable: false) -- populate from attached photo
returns 2:42
